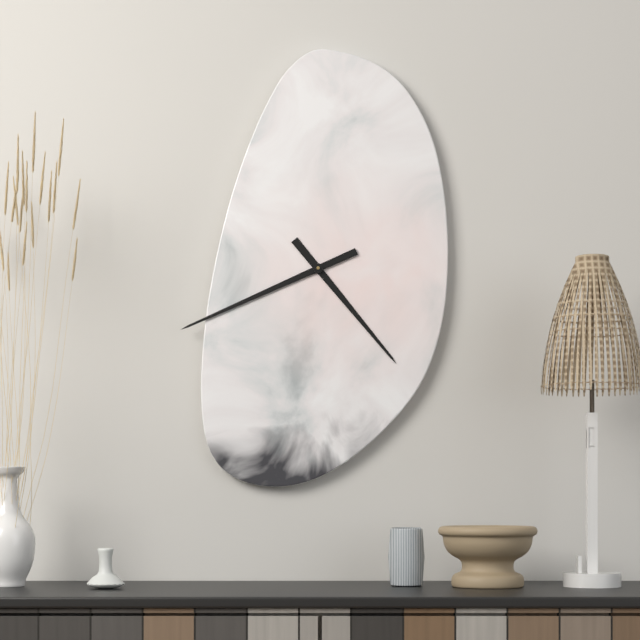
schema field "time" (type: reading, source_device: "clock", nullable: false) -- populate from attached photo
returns 4:41
